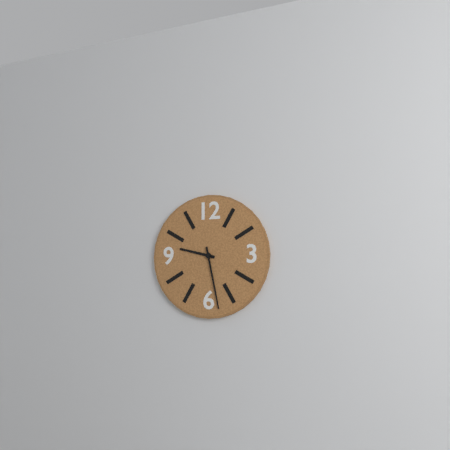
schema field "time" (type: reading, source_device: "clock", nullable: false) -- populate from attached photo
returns 9:28
